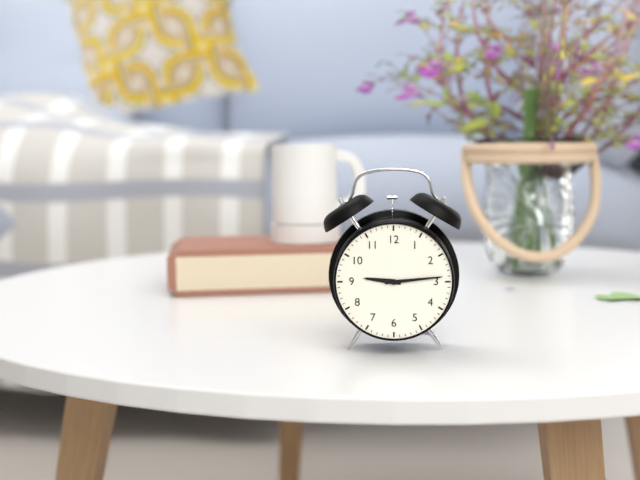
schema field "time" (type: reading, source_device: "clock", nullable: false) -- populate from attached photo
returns 9:14
